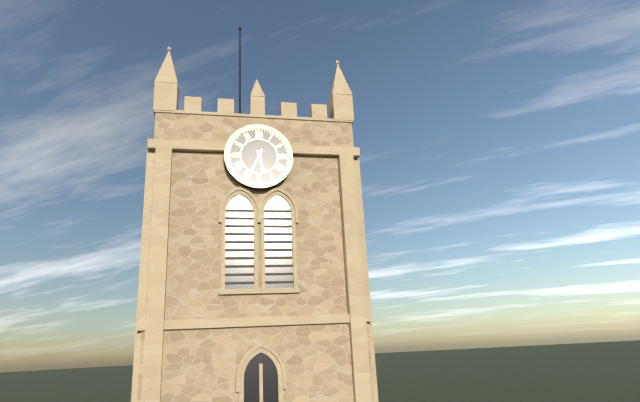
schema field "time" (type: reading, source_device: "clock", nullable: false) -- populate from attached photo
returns 5:34
